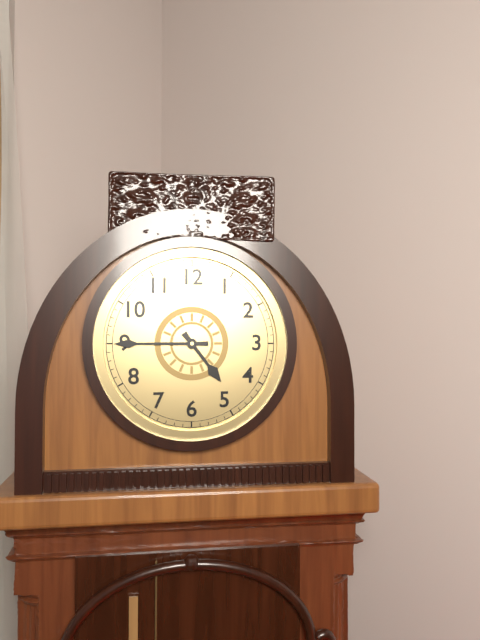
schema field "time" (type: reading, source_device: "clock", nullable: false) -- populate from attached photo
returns 4:45
